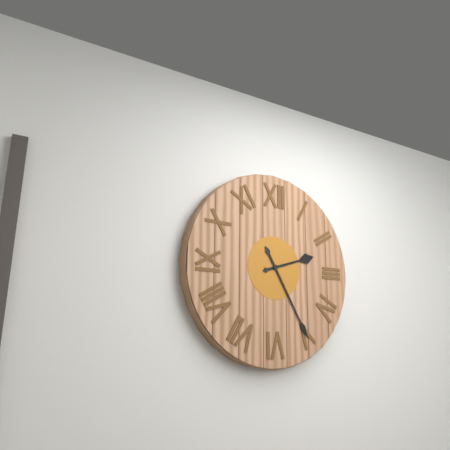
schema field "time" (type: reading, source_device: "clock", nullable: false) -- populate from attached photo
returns 2:25
